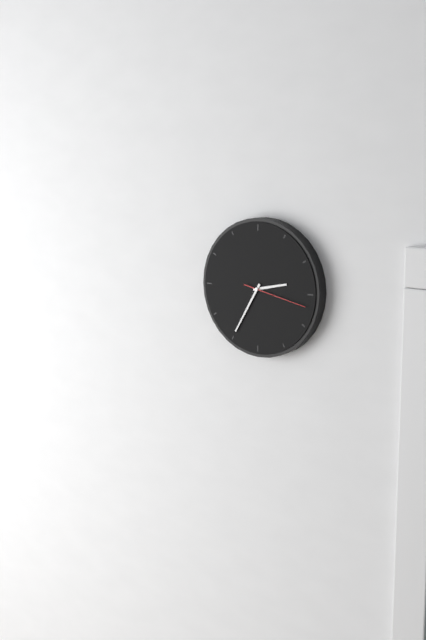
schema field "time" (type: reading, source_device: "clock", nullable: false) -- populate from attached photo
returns 2:35:17
